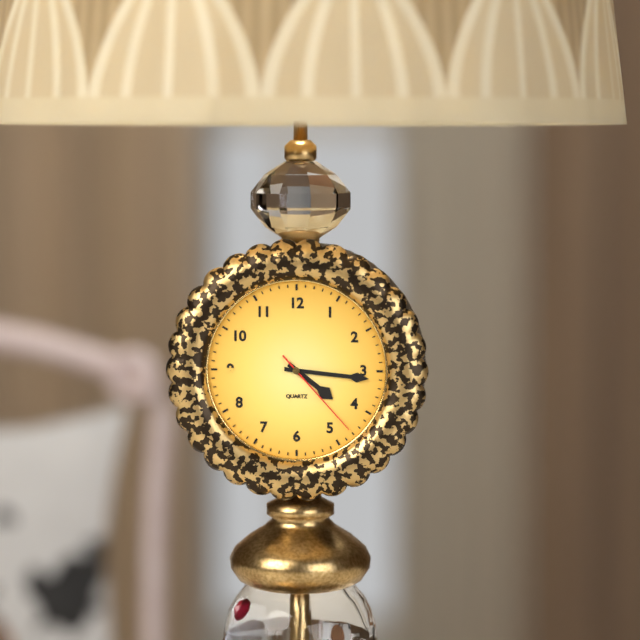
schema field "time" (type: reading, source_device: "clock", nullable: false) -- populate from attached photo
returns 4:16:23
